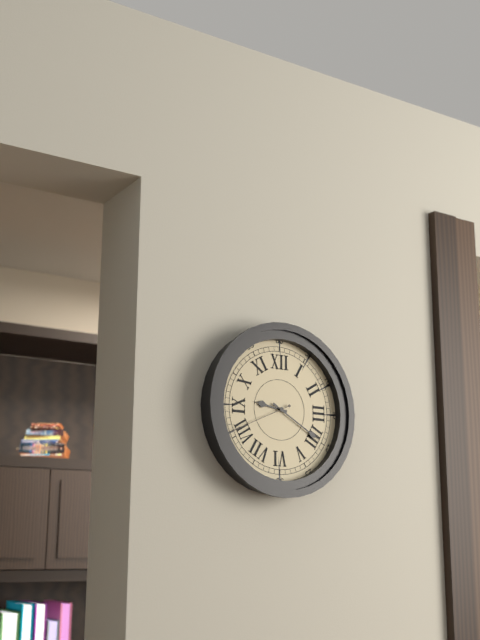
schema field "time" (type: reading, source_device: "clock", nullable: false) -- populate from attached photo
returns 9:20:41
